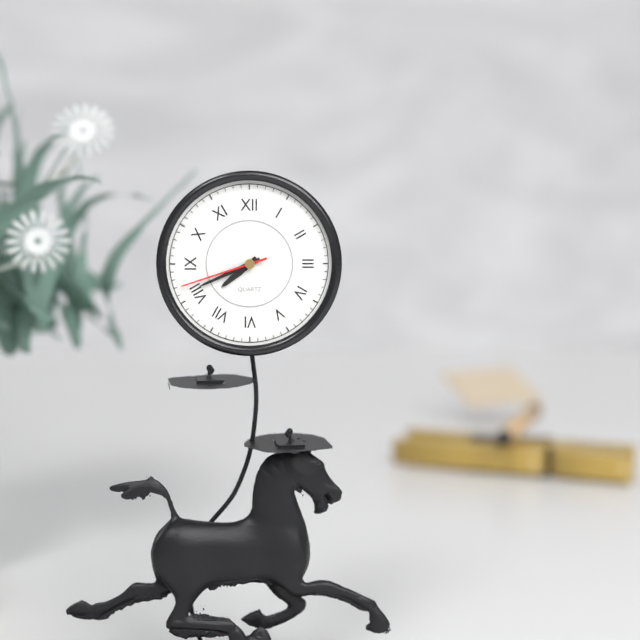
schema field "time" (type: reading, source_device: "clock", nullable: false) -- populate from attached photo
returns 7:41:42
